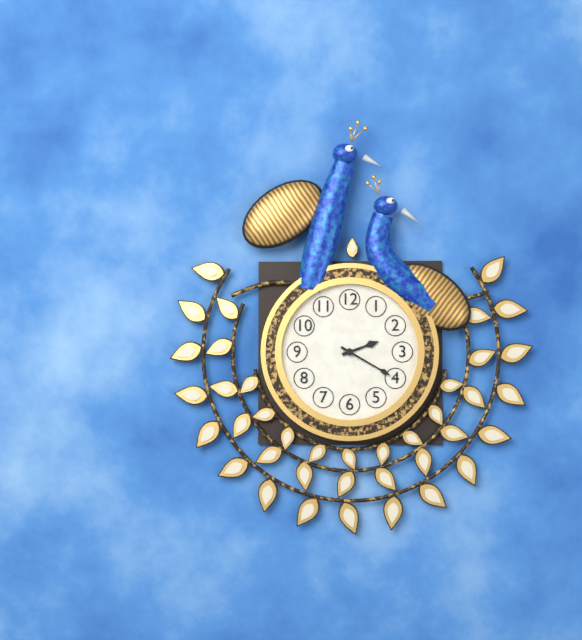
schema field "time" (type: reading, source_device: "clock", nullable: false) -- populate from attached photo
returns 2:20
